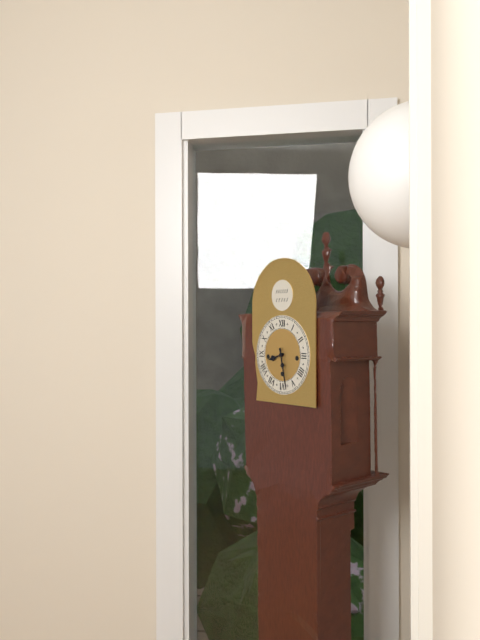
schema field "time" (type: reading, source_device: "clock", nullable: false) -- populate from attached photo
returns 8:28
